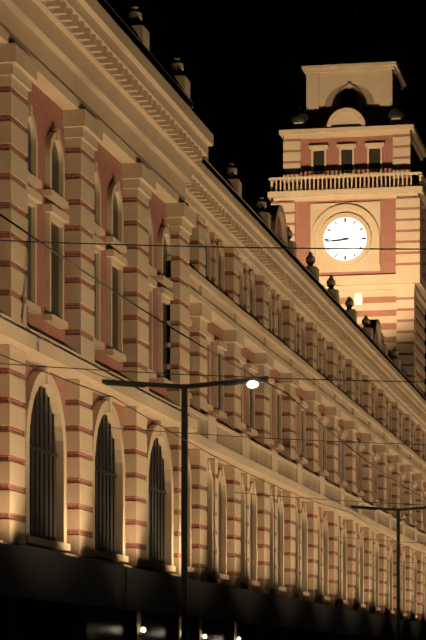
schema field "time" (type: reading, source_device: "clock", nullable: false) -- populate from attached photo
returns 8:44
